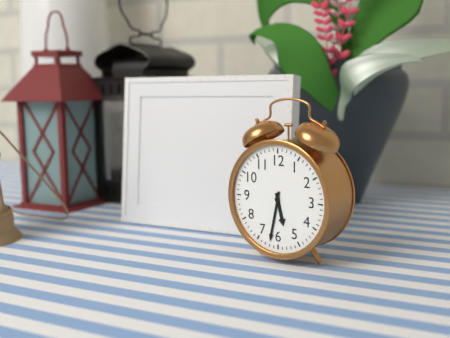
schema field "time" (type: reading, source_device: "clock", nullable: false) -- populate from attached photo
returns 5:32
